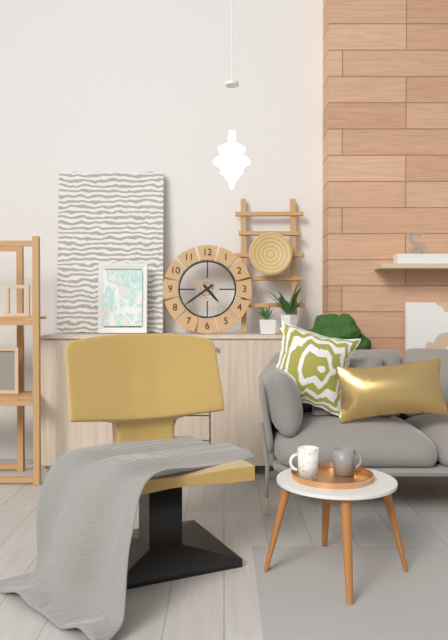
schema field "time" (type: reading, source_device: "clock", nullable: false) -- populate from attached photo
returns 4:39
